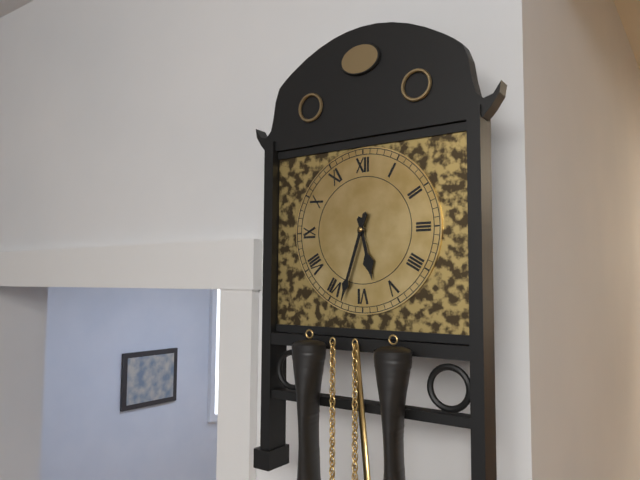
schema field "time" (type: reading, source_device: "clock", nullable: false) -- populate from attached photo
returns 5:33
